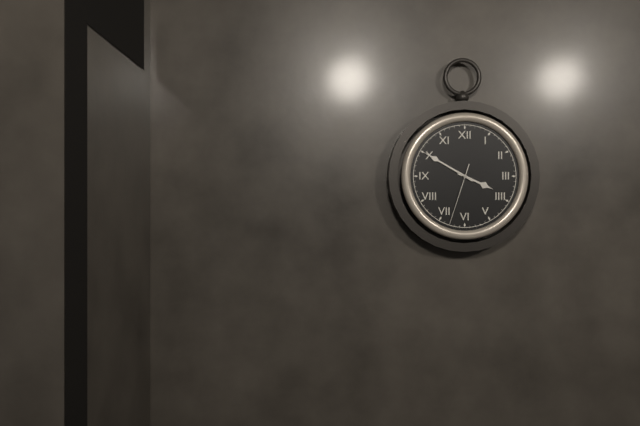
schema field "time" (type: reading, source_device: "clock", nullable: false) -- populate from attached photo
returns 3:50:33
